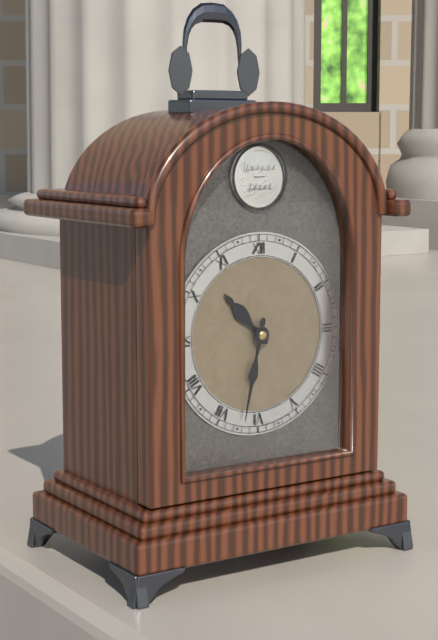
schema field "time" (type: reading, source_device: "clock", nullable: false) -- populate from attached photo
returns 10:32
